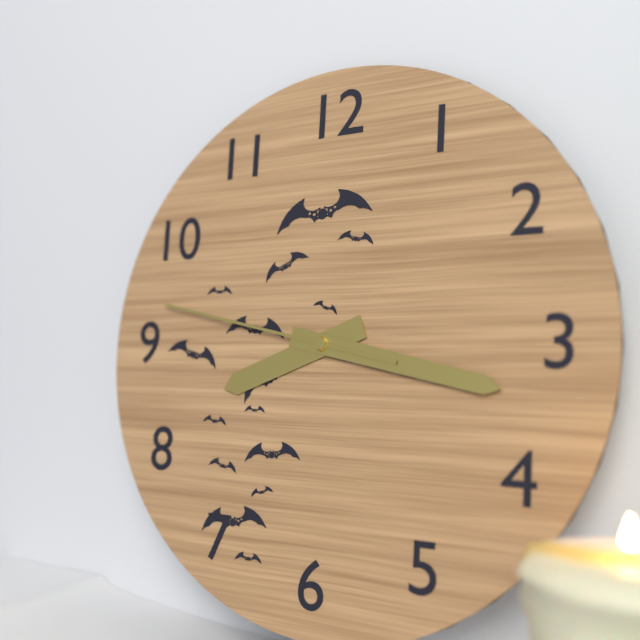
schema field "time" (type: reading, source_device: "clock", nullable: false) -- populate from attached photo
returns 8:17:47
